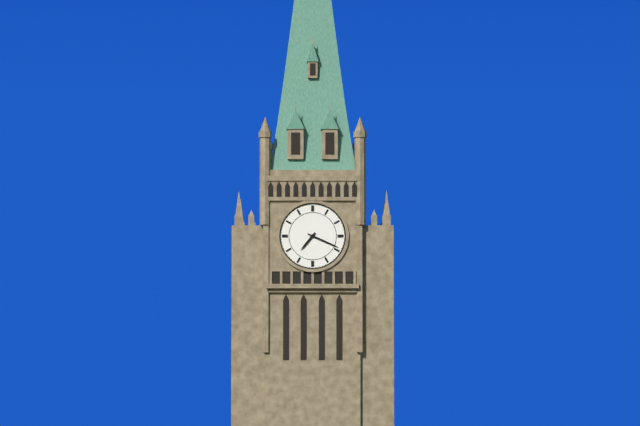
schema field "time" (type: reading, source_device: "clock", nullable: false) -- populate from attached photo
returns 7:19
